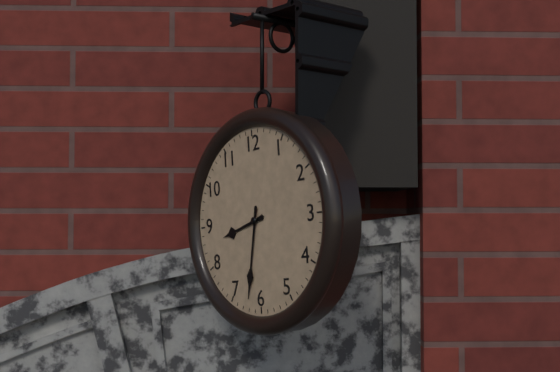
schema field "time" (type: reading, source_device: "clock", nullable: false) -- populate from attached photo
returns 8:32
